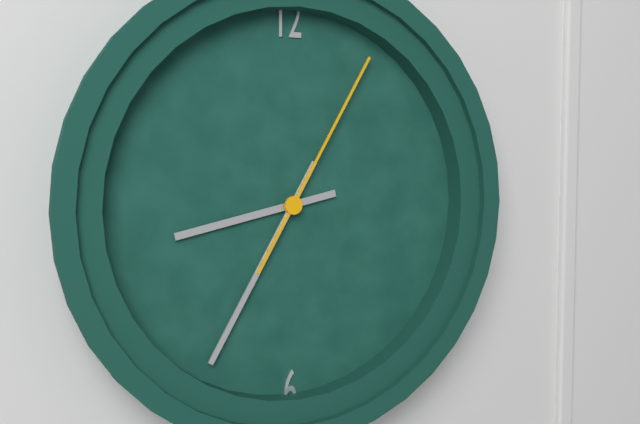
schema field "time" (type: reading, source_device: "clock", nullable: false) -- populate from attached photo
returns 8:35:05
